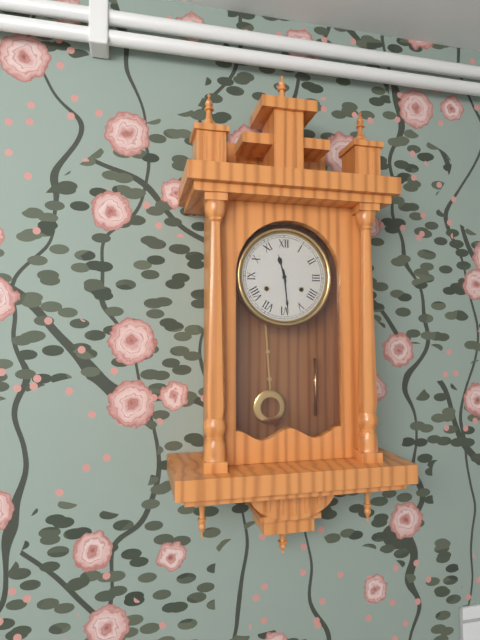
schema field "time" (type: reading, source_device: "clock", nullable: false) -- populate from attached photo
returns 11:29
